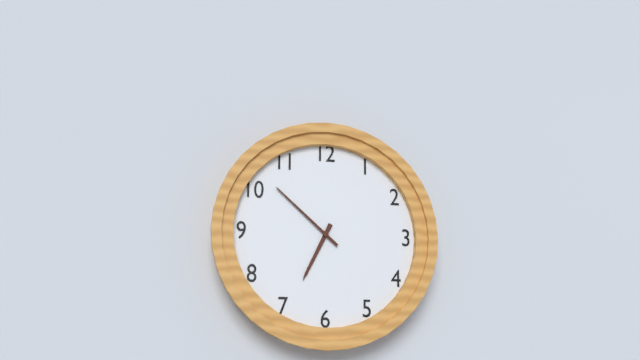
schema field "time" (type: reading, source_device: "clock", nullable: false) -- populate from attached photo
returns 6:52
